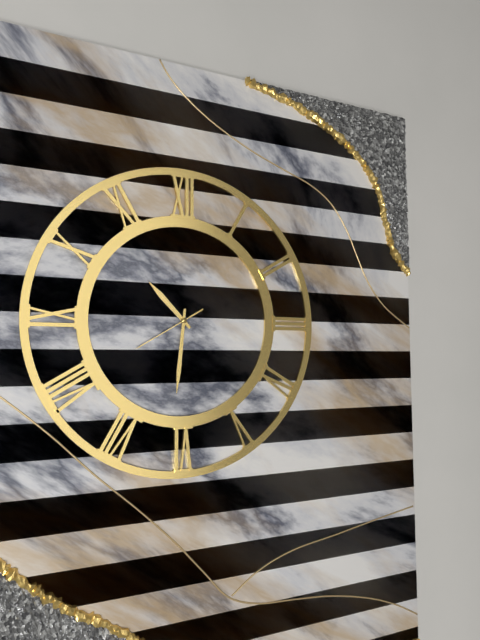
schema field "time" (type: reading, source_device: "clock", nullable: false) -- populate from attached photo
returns 10:31:40
